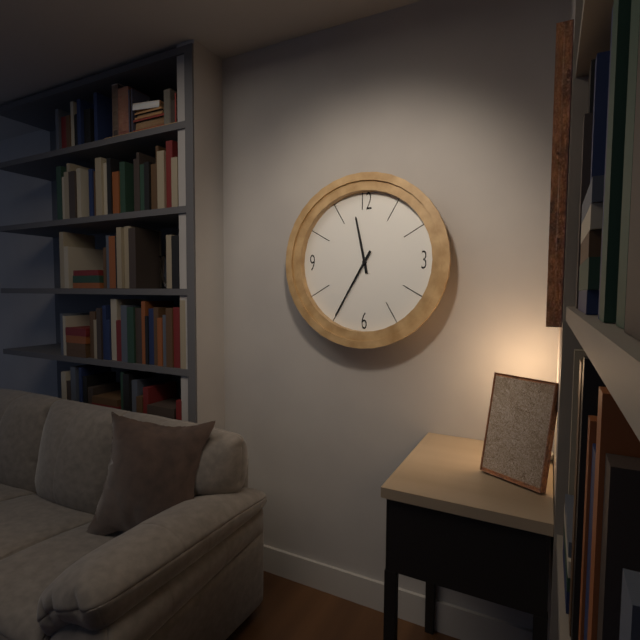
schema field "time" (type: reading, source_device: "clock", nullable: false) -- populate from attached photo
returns 11:35
